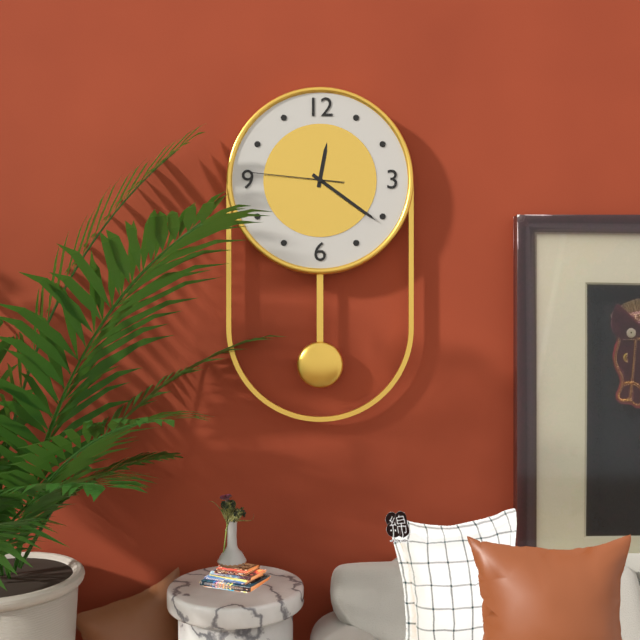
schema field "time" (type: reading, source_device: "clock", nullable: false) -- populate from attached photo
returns 12:21:46
